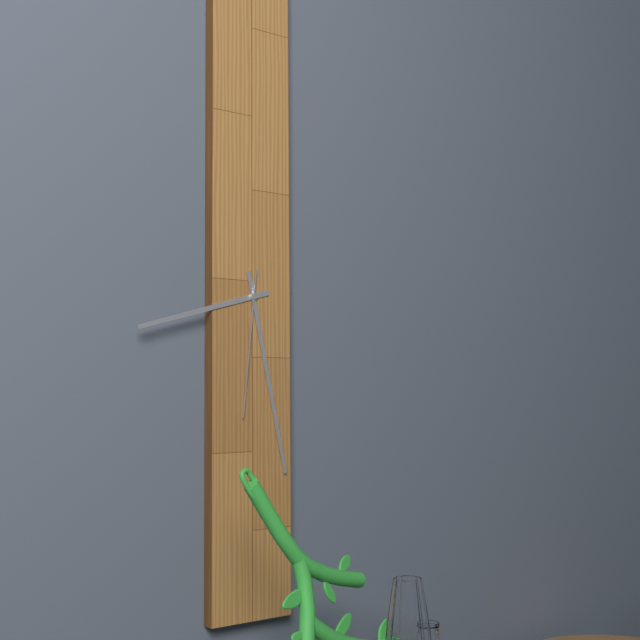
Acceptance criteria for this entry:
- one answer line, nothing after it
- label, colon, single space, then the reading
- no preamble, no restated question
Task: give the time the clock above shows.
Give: 8:28:31
